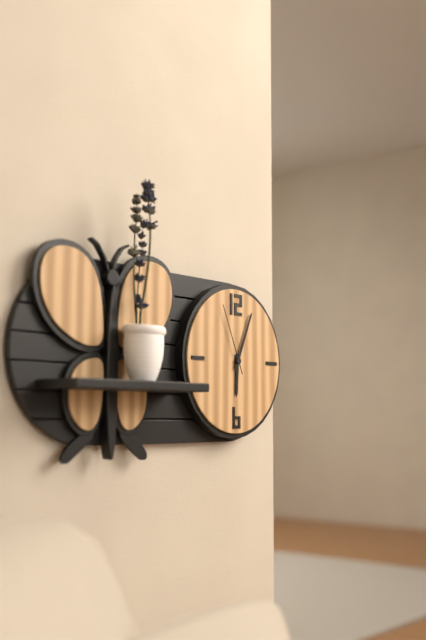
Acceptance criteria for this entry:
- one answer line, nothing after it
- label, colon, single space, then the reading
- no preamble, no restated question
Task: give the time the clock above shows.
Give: 6:04:56
